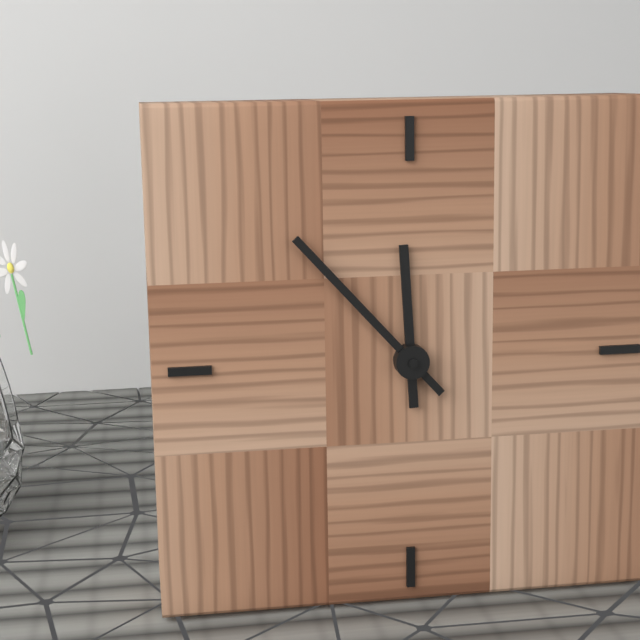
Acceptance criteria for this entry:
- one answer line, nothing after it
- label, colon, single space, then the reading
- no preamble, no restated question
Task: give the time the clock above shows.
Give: 11:53
